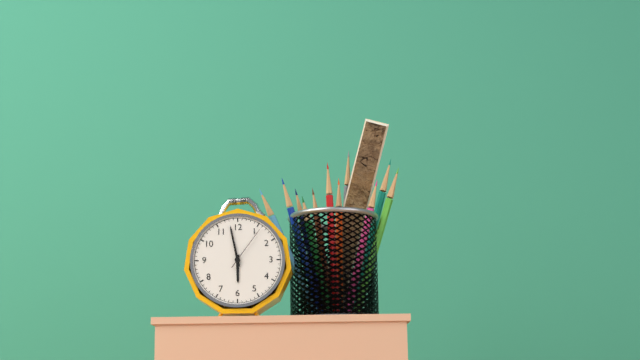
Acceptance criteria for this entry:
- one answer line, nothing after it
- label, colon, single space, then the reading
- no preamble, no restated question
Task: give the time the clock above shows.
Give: 5:58
